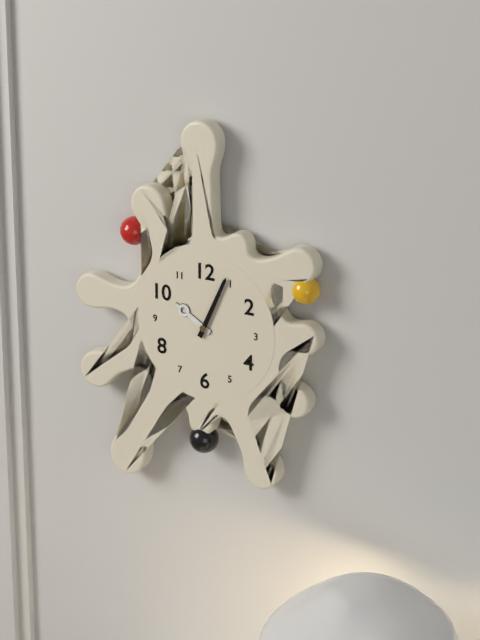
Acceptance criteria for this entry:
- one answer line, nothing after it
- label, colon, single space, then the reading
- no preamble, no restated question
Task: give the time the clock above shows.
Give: 10:04
